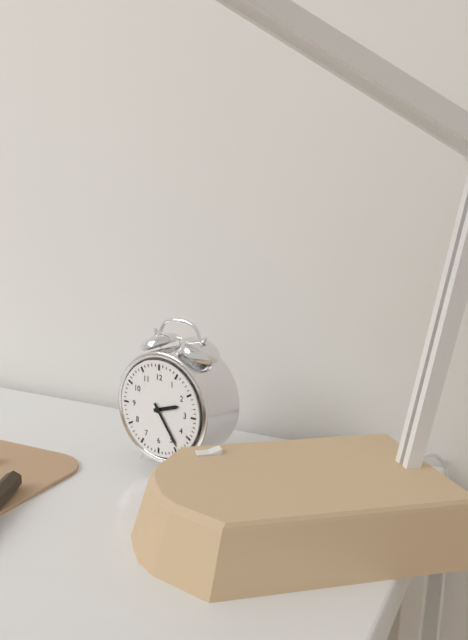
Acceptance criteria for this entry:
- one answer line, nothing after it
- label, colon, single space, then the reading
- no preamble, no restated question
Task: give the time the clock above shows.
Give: 2:24
